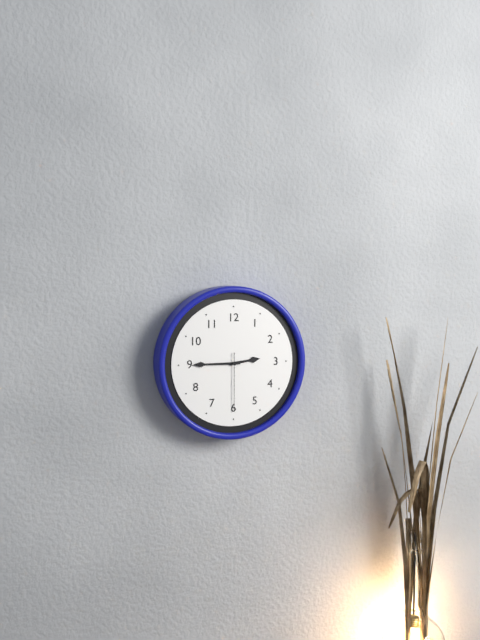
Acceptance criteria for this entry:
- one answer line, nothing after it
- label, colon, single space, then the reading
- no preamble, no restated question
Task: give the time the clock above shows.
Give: 2:45:30
